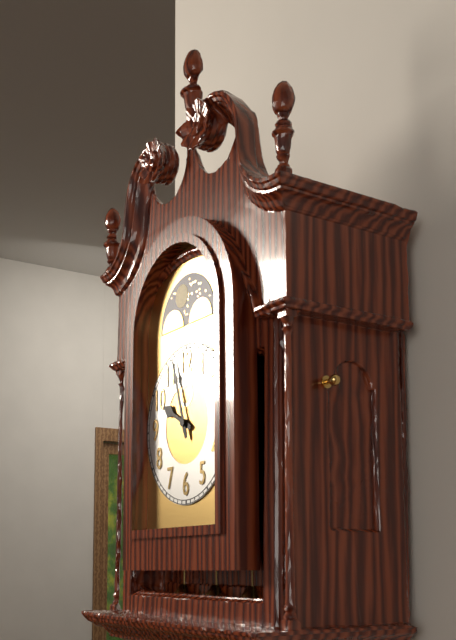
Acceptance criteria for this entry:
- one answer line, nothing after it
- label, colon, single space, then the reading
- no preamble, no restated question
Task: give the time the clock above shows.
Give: 9:57
